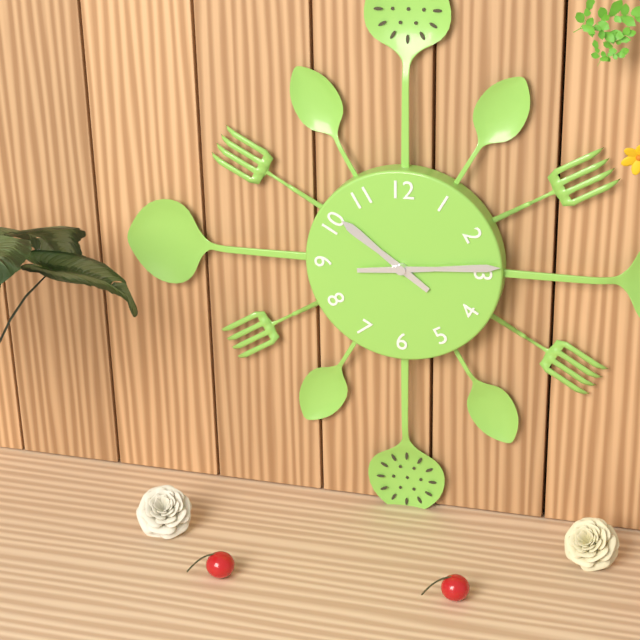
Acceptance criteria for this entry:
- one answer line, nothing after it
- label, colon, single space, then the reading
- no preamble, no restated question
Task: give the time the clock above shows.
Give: 10:14
